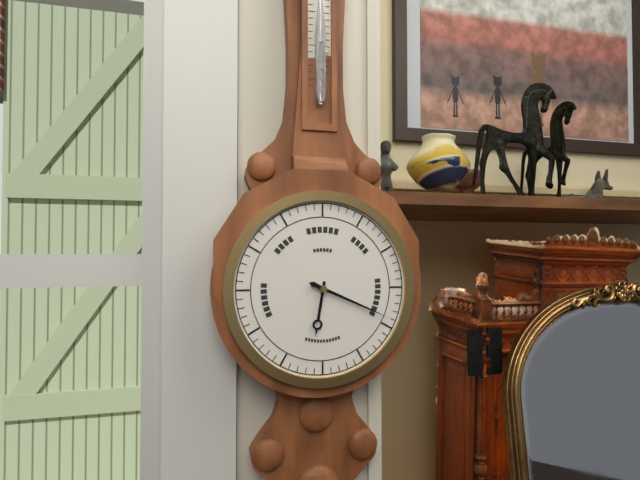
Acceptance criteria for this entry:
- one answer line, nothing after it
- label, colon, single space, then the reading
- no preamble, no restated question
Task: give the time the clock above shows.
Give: 6:19
